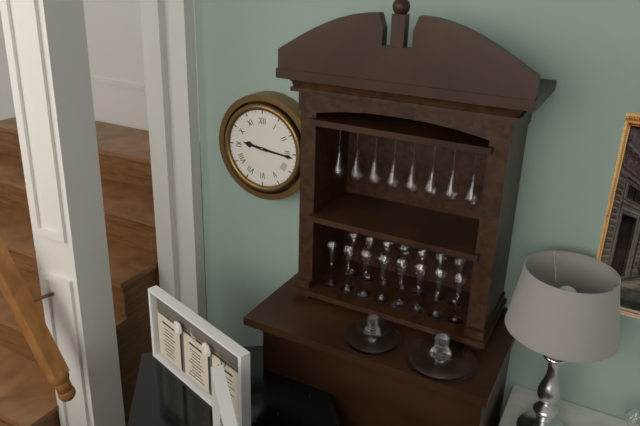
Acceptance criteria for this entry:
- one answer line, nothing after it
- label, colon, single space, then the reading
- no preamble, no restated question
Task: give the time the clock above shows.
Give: 9:16
